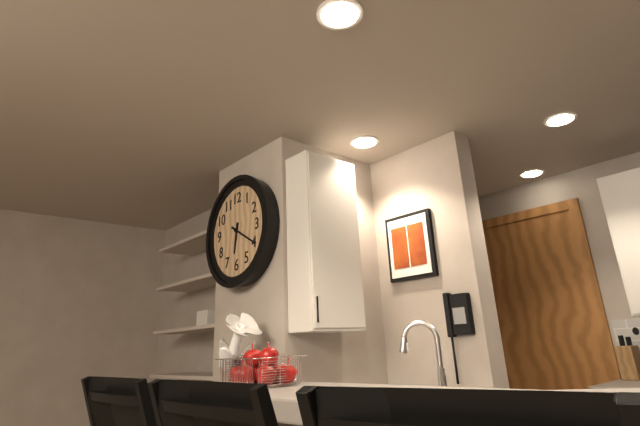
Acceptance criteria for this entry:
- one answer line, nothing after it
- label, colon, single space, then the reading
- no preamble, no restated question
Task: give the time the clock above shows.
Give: 6:20
